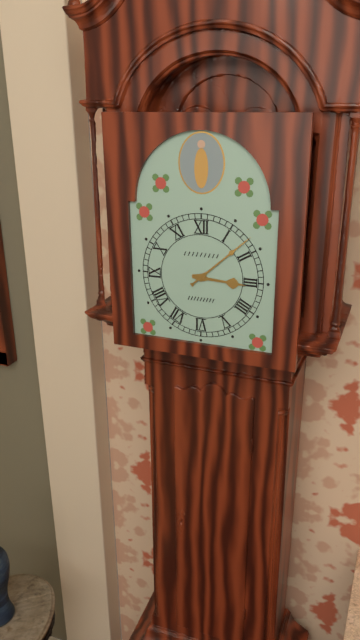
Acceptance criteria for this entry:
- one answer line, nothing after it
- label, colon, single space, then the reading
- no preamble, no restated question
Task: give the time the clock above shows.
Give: 3:08
